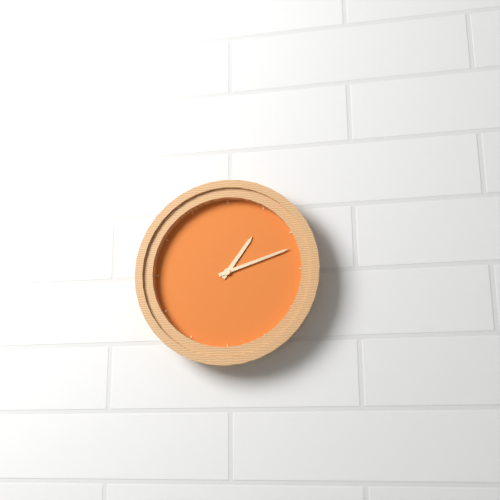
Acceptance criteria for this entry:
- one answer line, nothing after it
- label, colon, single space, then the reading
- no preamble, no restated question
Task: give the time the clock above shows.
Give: 1:12
